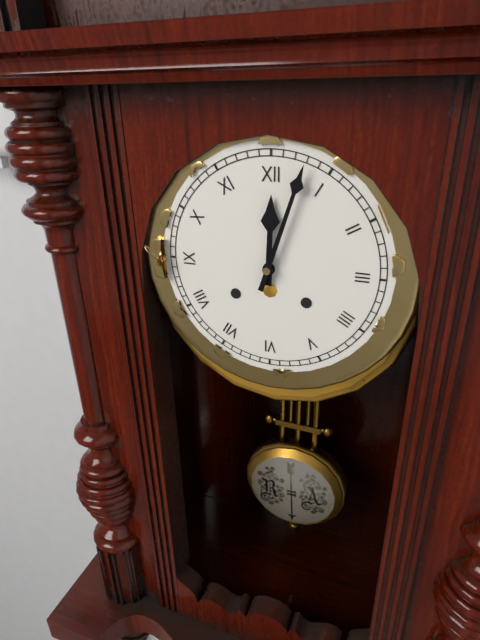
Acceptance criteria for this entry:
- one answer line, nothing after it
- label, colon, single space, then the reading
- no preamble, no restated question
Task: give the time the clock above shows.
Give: 12:03
